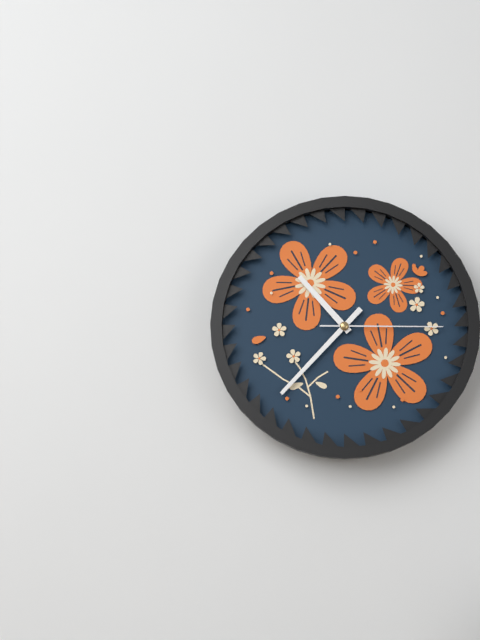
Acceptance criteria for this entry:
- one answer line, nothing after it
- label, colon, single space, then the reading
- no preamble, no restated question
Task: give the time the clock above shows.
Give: 10:37:15
